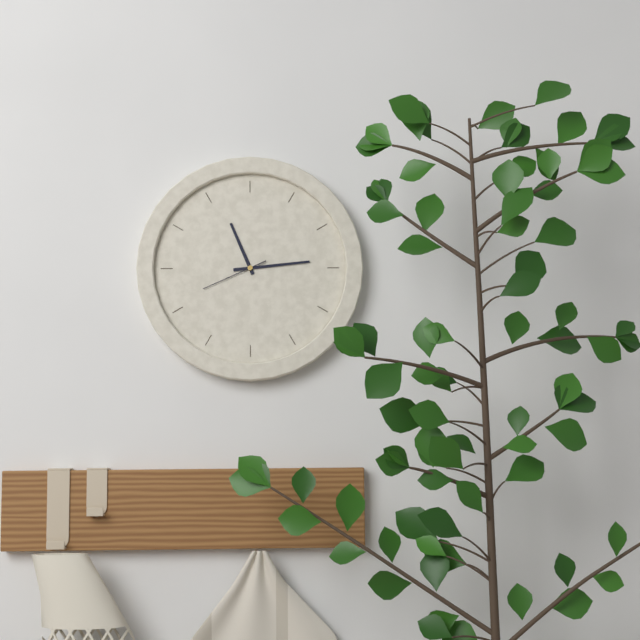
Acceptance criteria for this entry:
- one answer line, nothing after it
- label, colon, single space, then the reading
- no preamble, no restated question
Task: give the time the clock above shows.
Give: 11:14:41
